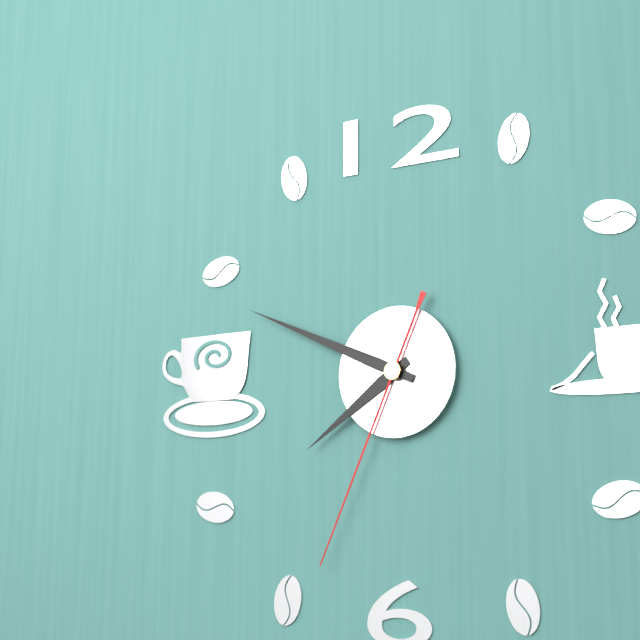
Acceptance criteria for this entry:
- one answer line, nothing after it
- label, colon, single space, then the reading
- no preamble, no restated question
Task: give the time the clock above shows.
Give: 7:49:34
